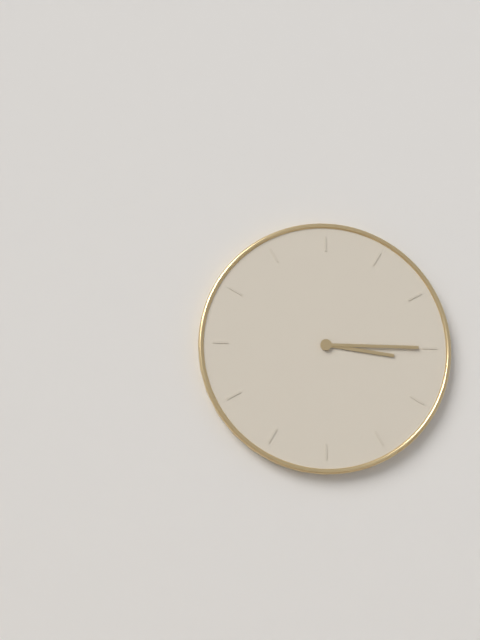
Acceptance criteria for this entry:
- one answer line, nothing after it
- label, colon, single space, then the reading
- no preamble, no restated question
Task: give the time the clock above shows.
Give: 3:15
